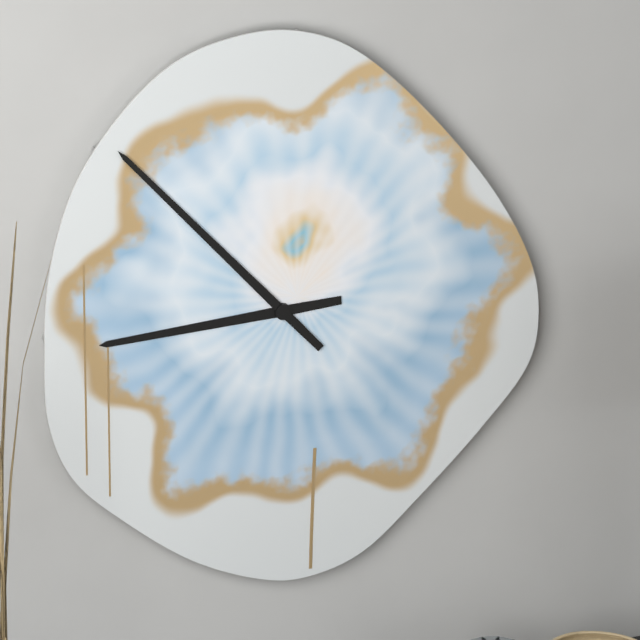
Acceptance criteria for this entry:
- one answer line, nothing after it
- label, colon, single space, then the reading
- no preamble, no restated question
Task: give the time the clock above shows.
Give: 8:53
